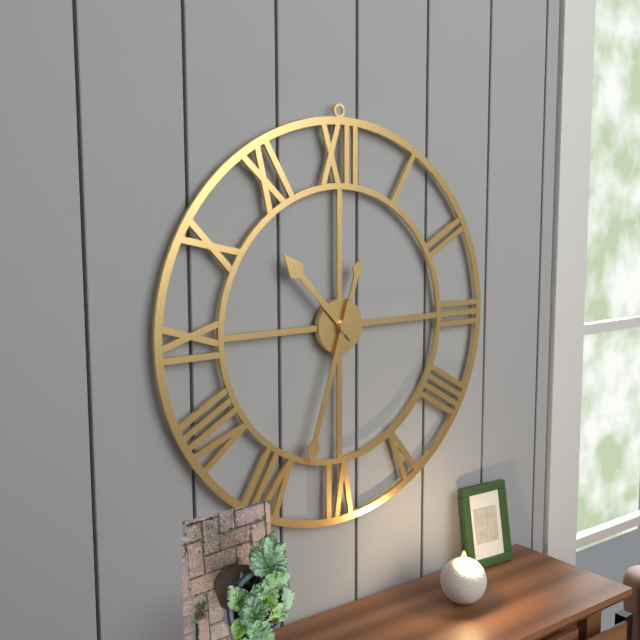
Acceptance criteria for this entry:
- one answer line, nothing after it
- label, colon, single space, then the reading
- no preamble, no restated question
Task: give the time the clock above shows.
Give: 10:33
